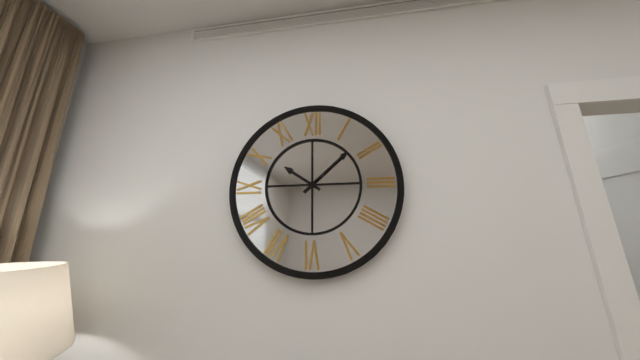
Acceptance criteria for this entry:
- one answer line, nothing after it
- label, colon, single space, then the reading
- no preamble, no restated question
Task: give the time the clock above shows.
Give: 10:08
